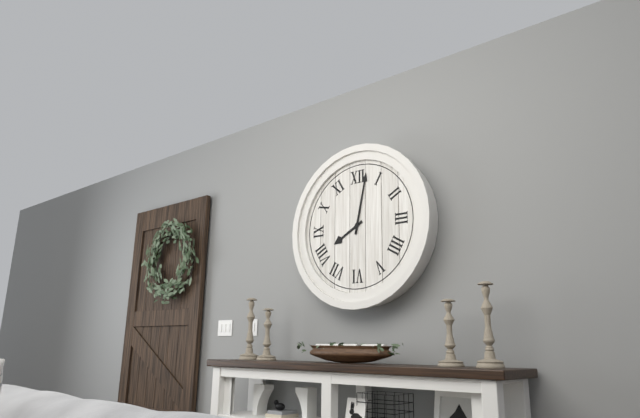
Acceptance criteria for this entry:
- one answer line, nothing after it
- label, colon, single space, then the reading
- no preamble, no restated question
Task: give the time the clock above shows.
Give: 8:02
